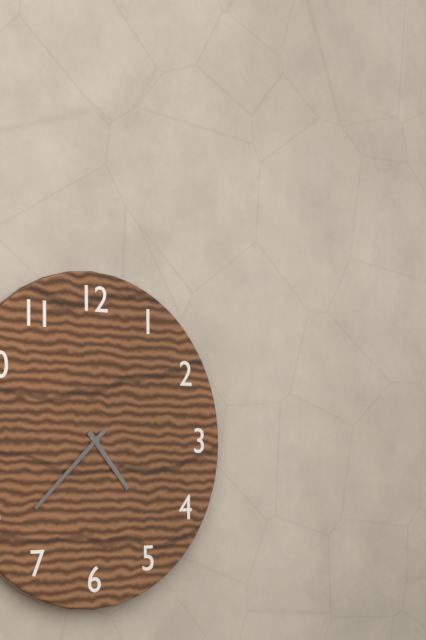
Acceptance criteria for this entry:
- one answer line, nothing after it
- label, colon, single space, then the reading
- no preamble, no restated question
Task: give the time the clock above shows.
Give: 4:38
